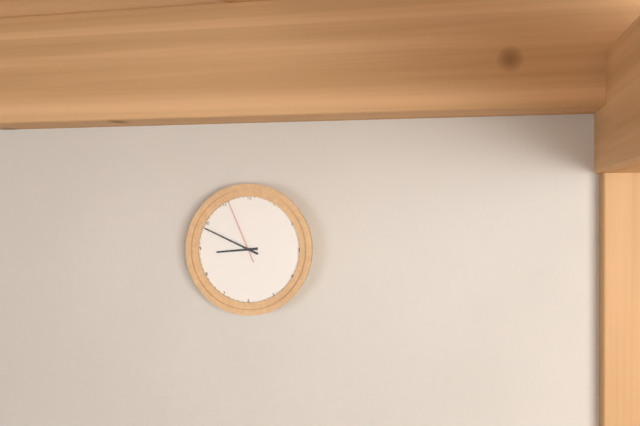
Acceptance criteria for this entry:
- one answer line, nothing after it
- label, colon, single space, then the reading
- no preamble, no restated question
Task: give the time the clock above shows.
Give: 8:49:56
